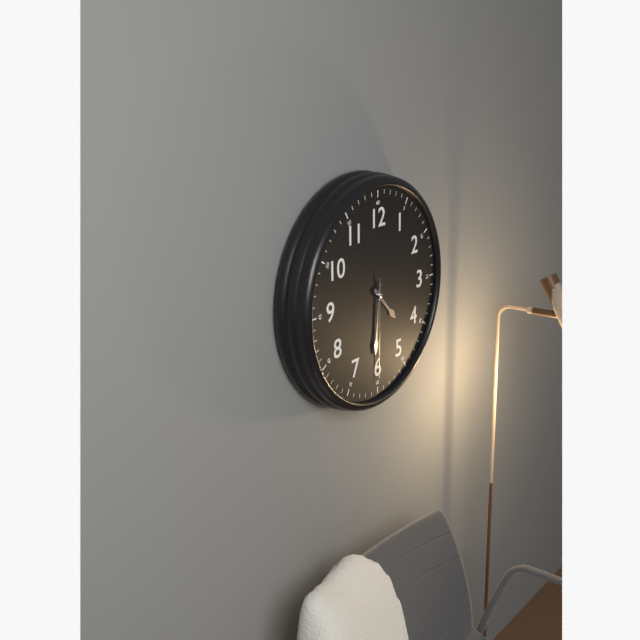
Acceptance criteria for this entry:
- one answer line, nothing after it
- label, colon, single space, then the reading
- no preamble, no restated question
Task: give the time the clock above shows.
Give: 4:31:30
